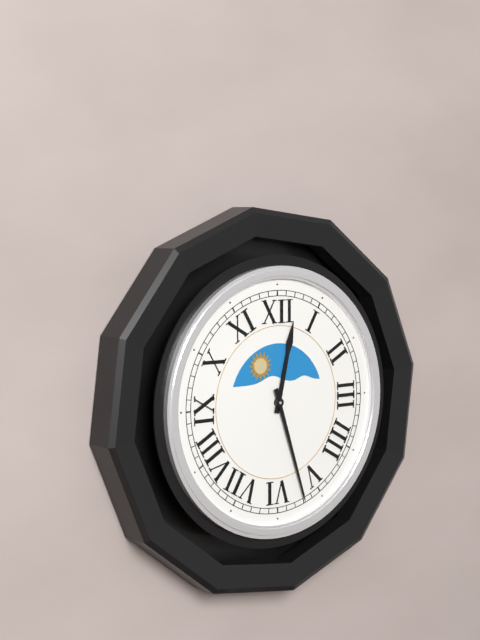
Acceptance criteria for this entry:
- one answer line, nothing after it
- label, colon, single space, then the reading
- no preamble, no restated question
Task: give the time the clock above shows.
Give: 12:27
